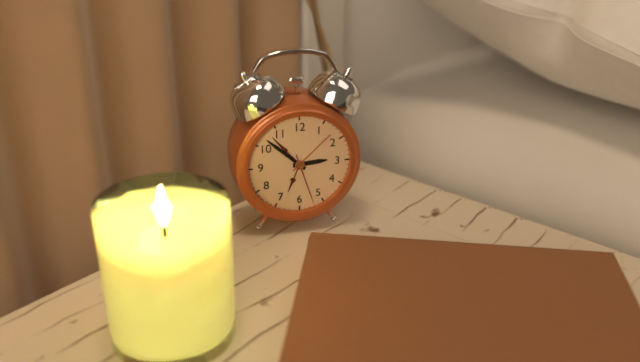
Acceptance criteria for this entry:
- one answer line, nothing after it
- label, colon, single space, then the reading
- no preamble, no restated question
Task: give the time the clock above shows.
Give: 2:52:27
